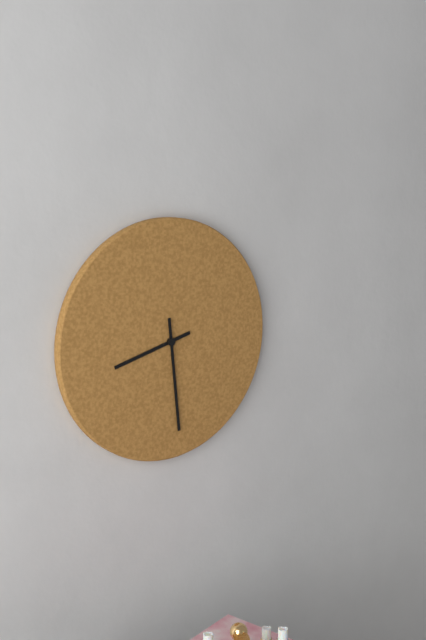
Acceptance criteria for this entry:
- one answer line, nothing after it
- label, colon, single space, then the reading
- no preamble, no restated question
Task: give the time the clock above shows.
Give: 8:29
